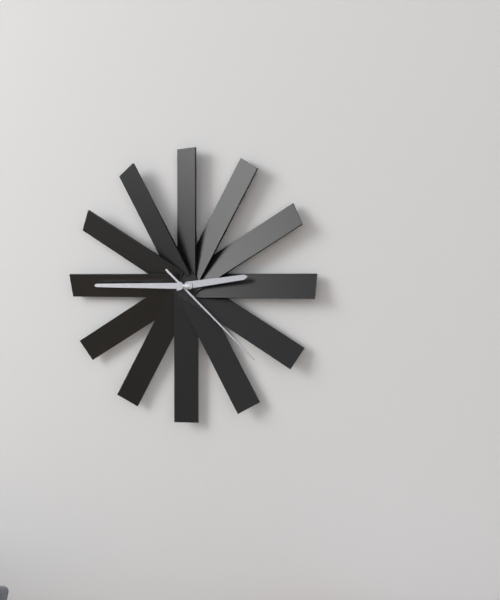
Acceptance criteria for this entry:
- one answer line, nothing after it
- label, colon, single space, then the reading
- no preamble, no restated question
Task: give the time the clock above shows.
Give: 2:45:22
